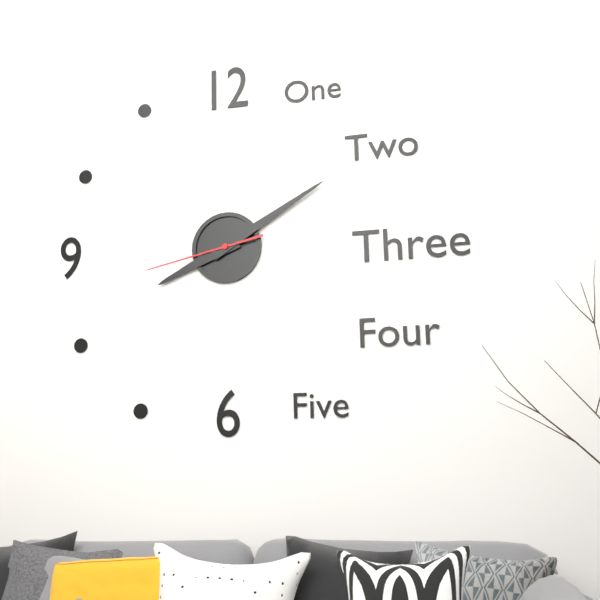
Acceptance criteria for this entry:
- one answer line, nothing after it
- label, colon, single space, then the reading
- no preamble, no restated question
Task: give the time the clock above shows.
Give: 8:10:43
